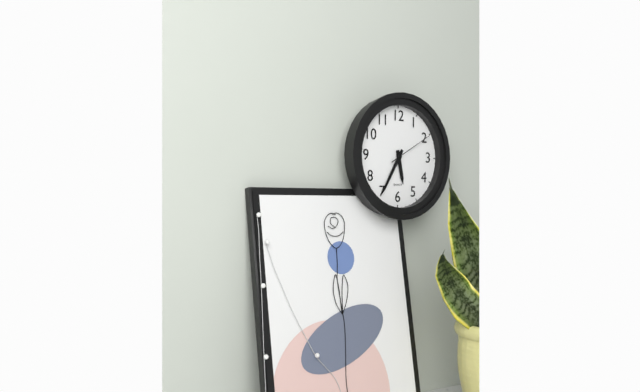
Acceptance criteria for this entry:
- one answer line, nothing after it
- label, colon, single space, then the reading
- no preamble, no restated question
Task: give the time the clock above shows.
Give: 5:35
